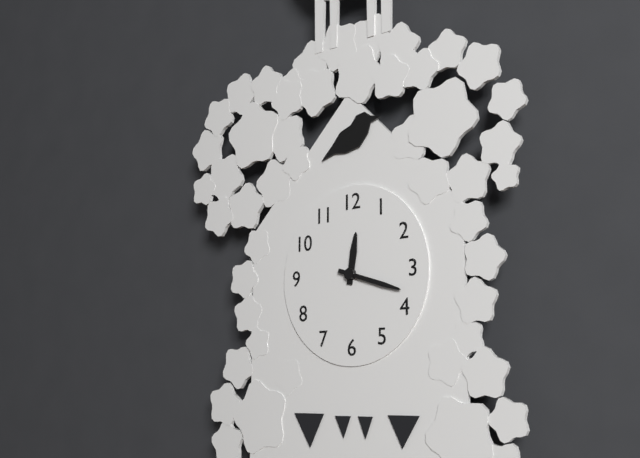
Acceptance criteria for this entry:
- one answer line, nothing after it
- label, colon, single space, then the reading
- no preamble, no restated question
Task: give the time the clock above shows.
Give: 12:18
